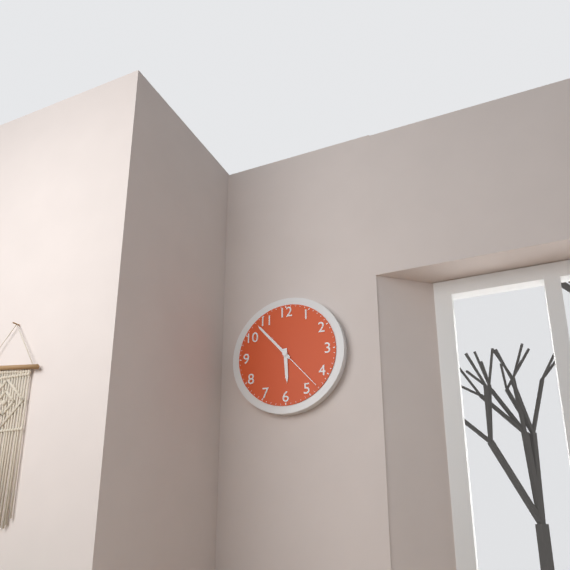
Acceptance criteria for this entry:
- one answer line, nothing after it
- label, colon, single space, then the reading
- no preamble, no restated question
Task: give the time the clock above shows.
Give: 5:53:23
